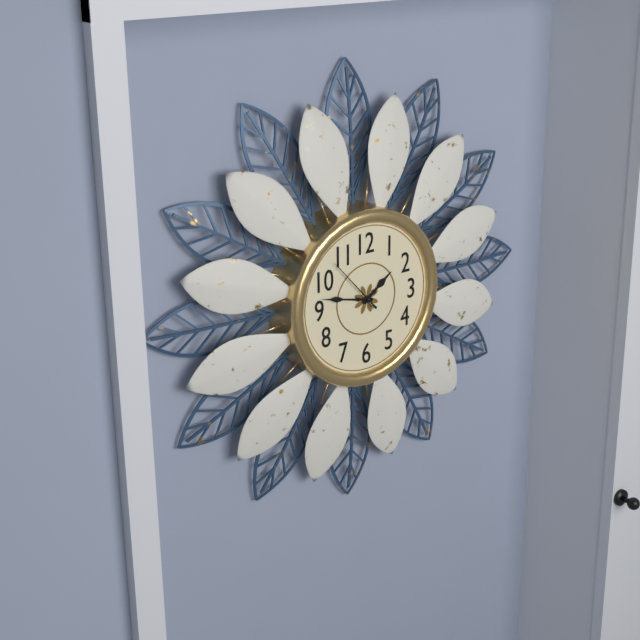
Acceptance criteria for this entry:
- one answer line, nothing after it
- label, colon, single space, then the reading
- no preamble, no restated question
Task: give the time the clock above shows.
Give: 1:47:53
